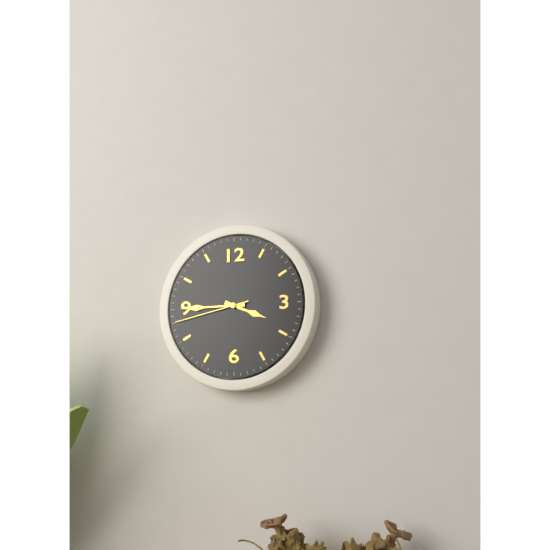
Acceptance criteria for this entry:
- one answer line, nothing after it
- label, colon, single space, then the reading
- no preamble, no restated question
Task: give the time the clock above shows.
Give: 3:45:43
